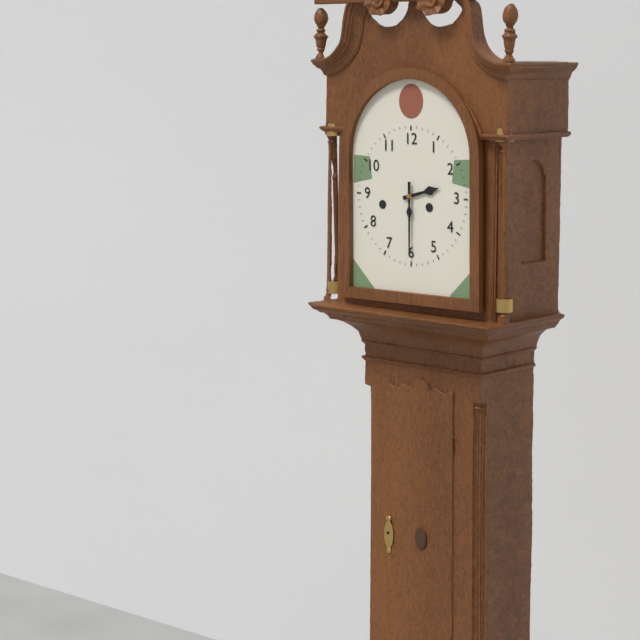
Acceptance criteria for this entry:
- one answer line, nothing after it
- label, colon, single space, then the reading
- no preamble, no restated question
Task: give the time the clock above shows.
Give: 2:30
